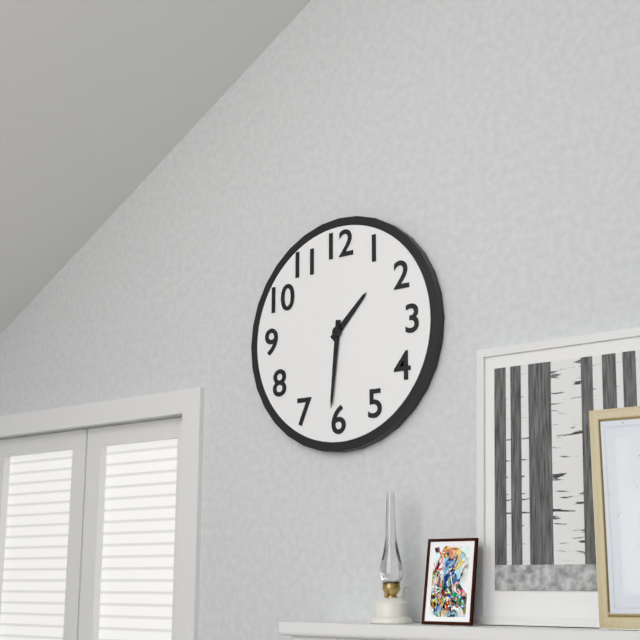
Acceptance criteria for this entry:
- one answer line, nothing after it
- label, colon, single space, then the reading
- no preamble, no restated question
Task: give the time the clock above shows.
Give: 1:31
